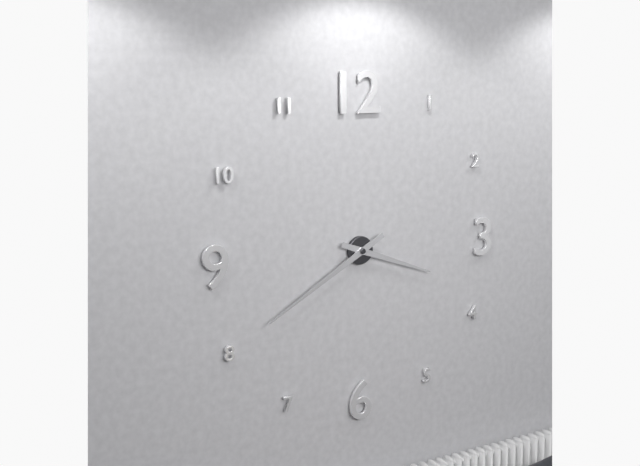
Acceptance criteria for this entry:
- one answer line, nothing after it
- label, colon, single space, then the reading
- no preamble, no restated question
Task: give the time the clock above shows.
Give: 3:40
